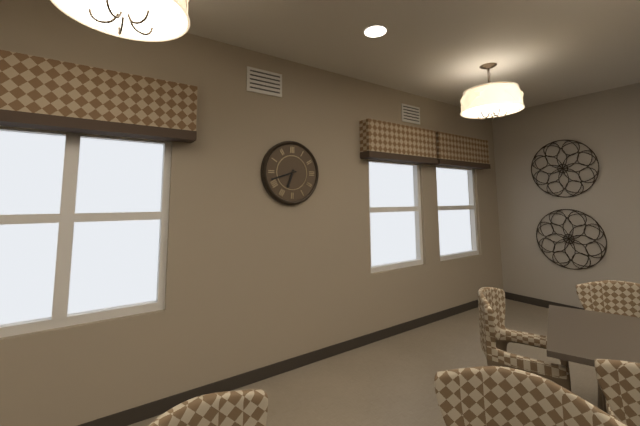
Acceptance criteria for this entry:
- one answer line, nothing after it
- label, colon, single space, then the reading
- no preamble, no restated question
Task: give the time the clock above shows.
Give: 6:42
